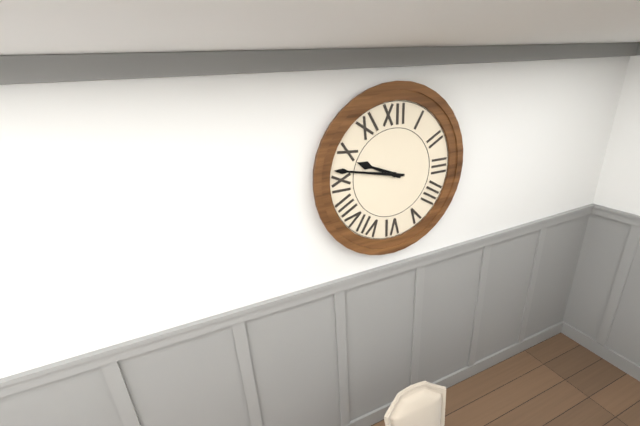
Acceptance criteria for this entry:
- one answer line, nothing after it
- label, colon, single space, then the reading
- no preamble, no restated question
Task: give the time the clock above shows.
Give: 9:47
